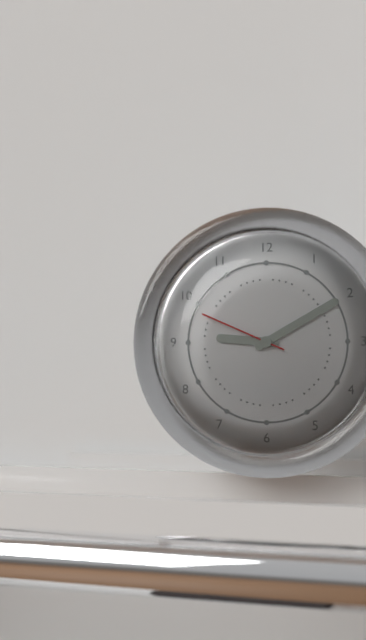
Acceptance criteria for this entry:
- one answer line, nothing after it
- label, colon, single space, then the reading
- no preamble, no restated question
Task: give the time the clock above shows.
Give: 9:10:49
